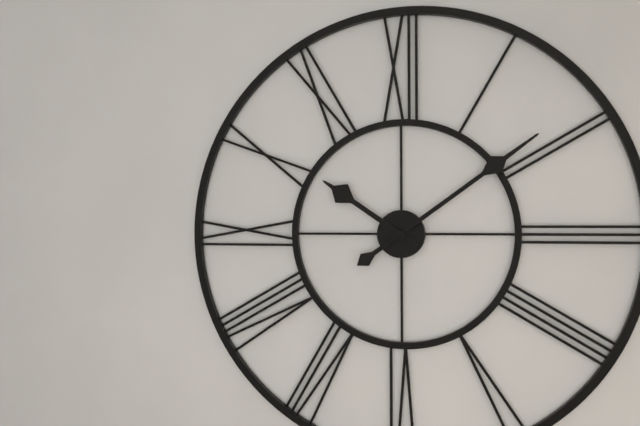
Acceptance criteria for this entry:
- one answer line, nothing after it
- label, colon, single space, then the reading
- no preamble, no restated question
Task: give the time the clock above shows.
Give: 10:09
